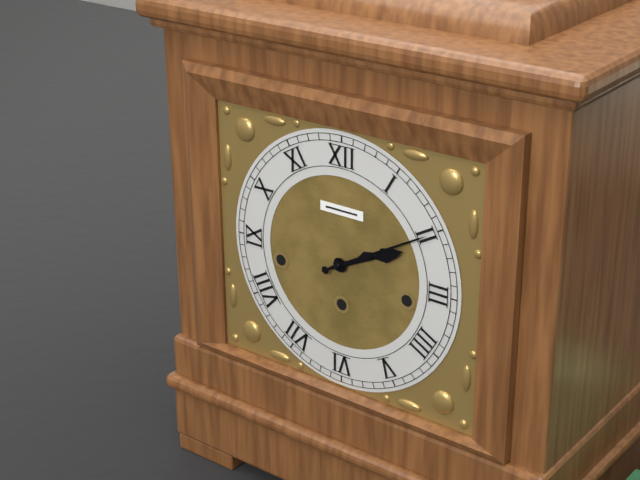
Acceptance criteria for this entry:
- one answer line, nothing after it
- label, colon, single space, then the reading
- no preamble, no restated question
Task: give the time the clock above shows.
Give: 2:10
